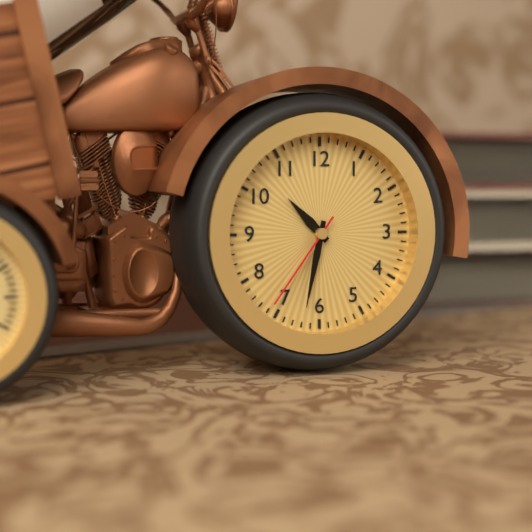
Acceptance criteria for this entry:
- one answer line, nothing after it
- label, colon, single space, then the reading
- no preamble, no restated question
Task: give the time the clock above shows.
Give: 10:32:36
